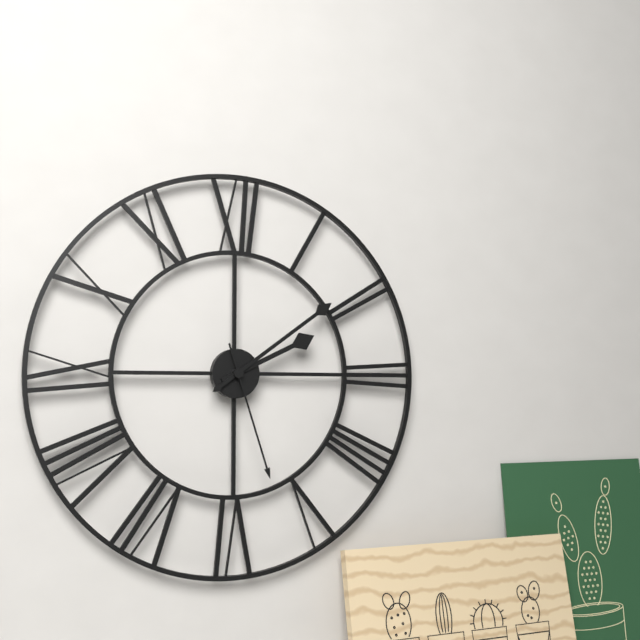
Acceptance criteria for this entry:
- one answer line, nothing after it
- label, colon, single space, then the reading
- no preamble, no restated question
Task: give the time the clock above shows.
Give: 2:09:27
